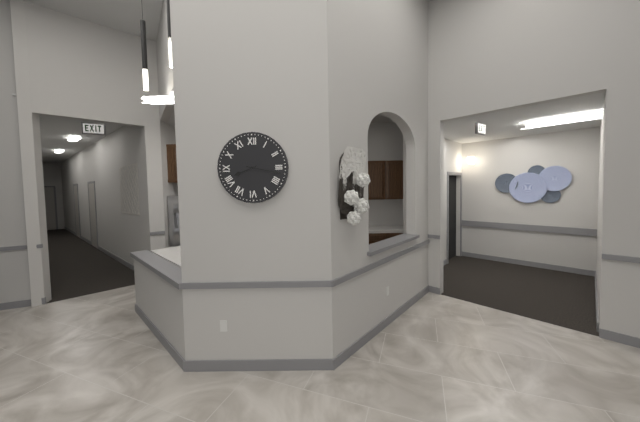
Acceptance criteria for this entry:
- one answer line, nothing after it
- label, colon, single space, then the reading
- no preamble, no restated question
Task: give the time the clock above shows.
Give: 8:17
